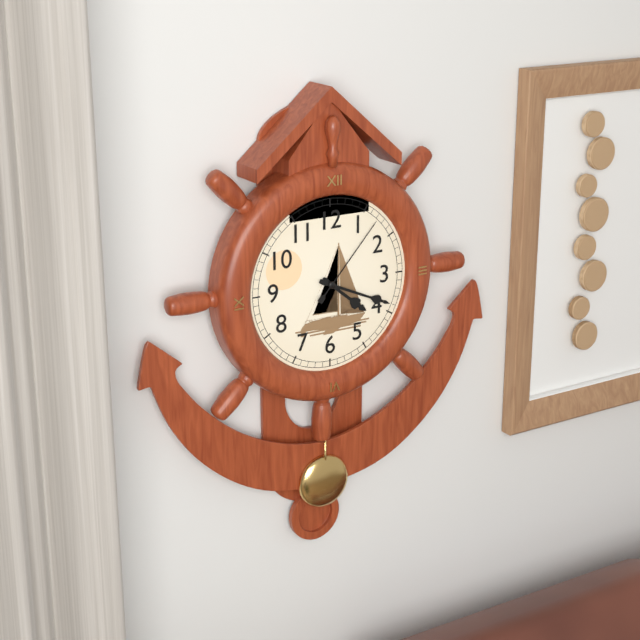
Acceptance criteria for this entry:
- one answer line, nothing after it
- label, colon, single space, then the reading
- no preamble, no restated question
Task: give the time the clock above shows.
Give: 4:19:07
